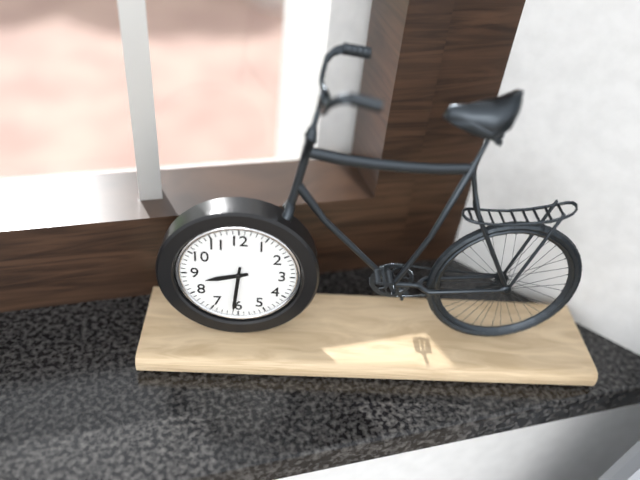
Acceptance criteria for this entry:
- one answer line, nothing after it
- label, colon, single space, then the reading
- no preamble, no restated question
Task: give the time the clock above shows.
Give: 8:31
